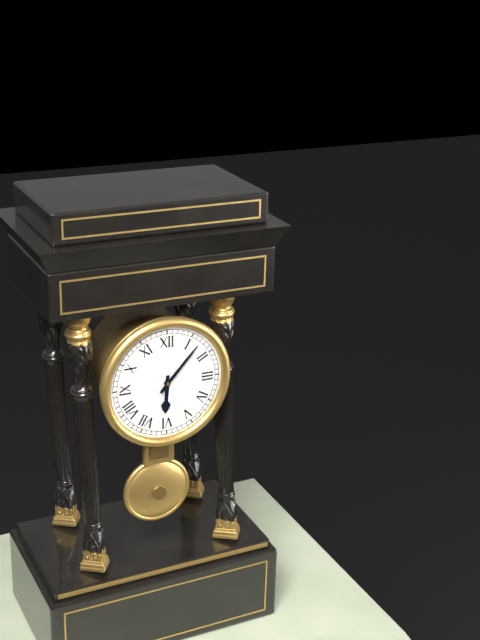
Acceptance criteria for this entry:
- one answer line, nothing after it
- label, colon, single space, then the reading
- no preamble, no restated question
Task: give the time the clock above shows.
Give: 6:07
